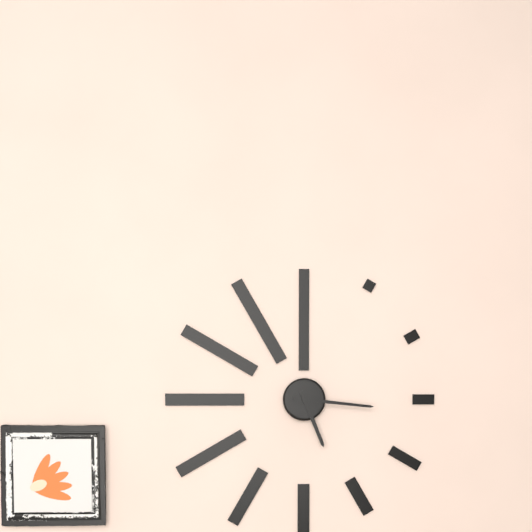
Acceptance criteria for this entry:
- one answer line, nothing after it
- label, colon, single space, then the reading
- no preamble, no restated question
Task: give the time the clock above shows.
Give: 5:16
